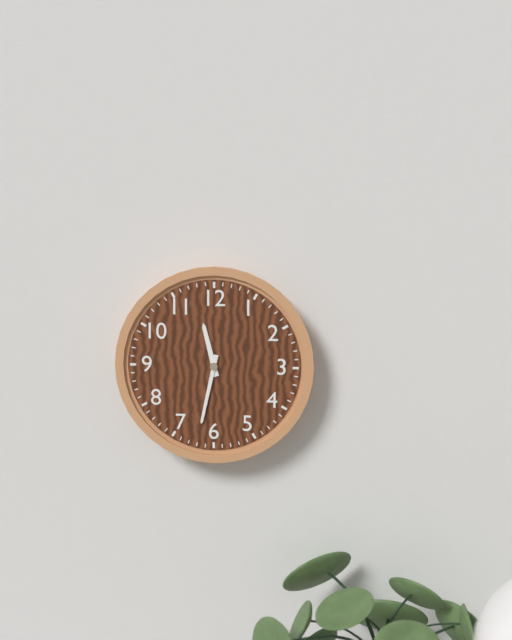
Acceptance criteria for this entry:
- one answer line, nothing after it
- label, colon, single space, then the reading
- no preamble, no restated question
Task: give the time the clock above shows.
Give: 11:32
